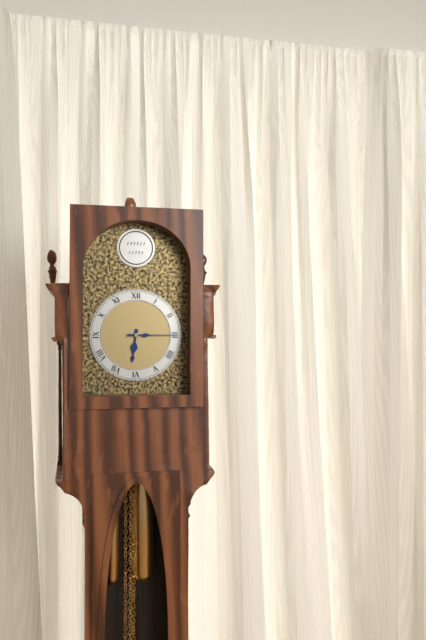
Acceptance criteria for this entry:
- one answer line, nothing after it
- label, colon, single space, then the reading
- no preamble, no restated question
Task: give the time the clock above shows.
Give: 6:15
